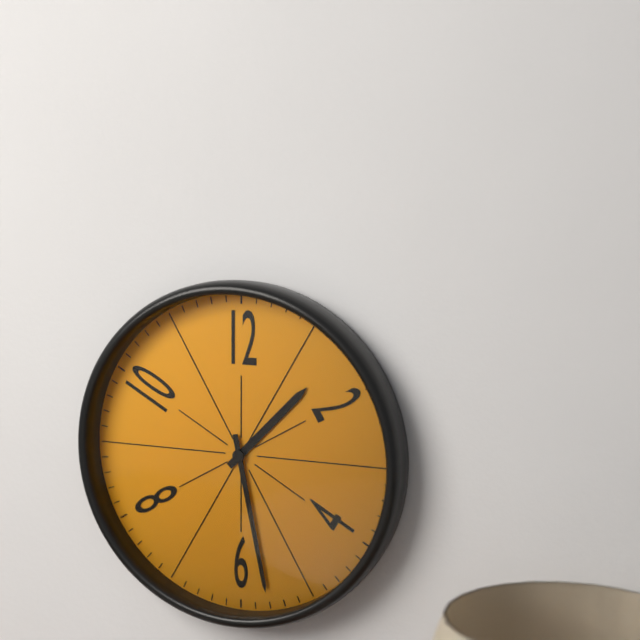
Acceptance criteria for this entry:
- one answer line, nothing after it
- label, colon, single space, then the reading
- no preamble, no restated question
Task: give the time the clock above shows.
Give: 1:28
